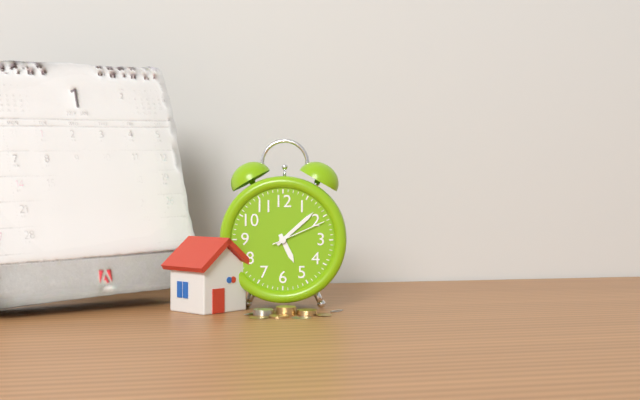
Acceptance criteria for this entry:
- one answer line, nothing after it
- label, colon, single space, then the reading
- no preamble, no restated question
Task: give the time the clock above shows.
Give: 5:08:11
